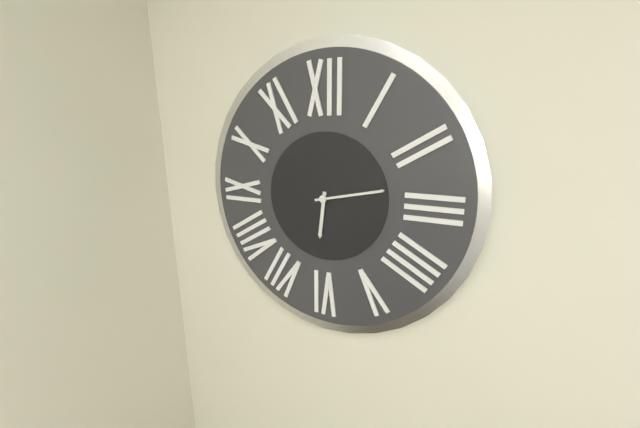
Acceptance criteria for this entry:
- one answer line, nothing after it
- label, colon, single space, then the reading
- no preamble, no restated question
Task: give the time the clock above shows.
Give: 6:13
